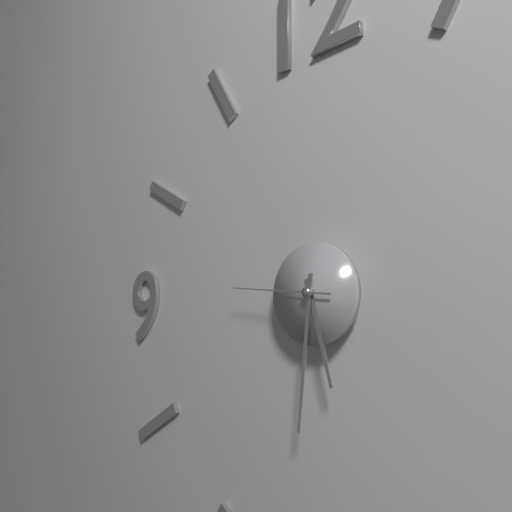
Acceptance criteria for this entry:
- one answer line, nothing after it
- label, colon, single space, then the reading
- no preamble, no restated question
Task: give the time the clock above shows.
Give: 5:31:46
